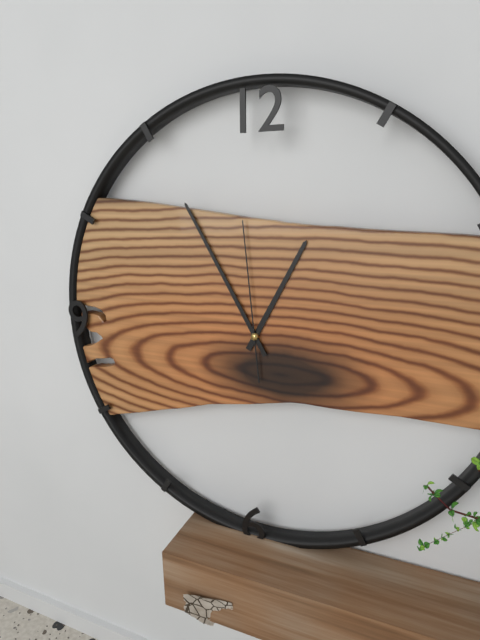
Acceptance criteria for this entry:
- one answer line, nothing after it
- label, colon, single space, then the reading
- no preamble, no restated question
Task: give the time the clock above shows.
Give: 12:55:59
